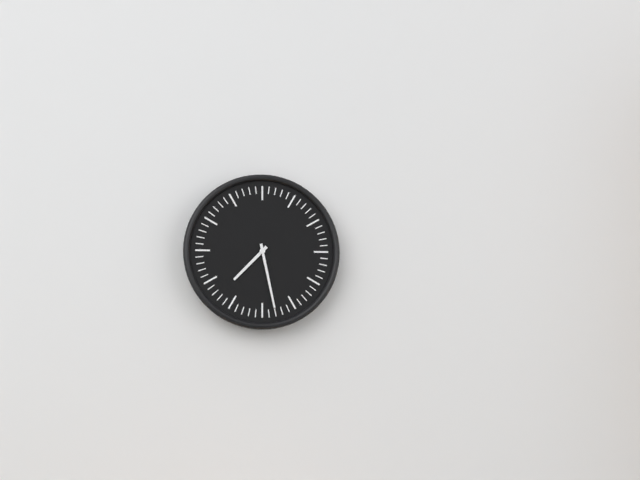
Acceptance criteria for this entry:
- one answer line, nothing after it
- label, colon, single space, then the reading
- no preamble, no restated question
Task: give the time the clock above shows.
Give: 7:28
